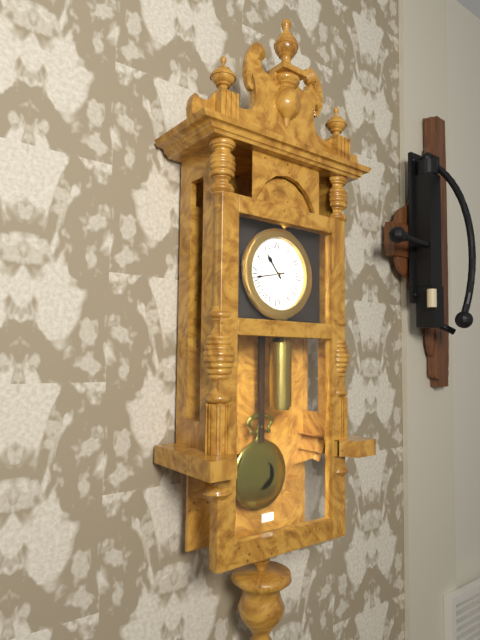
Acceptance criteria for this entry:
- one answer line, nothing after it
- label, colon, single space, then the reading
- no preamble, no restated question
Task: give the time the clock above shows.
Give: 10:43
